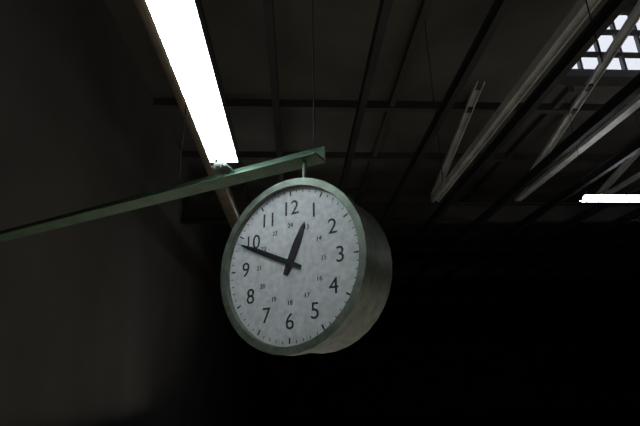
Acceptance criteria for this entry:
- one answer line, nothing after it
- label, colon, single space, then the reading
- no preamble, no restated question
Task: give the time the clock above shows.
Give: 12:49
